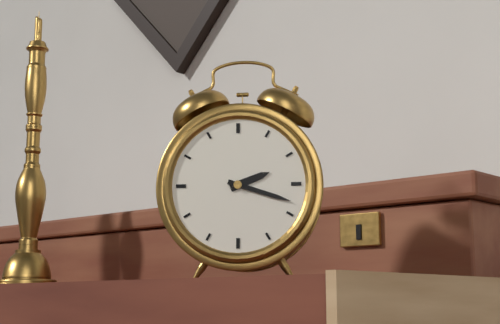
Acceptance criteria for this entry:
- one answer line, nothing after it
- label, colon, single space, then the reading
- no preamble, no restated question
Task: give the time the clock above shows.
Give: 2:18
